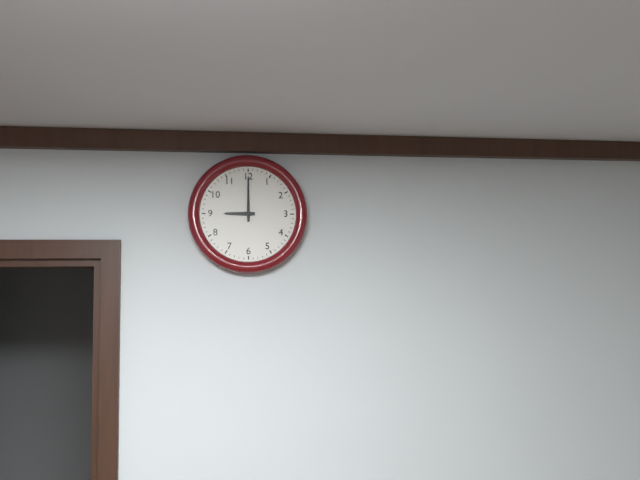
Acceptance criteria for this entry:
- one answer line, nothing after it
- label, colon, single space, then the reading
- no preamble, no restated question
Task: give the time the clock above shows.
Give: 9:00
